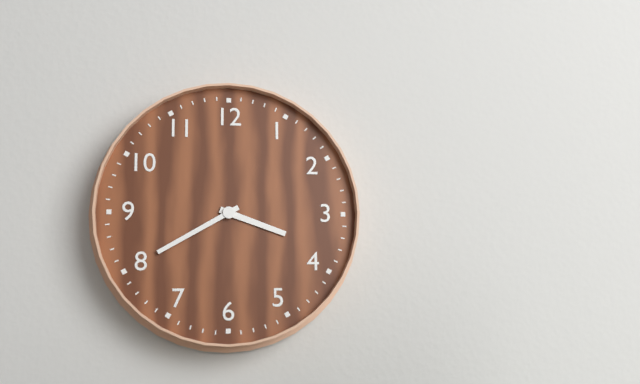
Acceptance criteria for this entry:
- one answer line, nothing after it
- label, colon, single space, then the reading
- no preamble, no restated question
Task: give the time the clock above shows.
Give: 3:40
